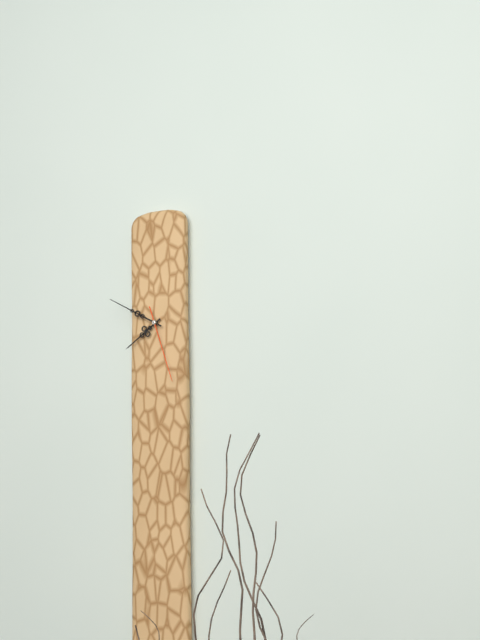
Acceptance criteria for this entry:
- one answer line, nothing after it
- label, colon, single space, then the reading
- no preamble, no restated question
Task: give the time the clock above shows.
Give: 7:50:27
